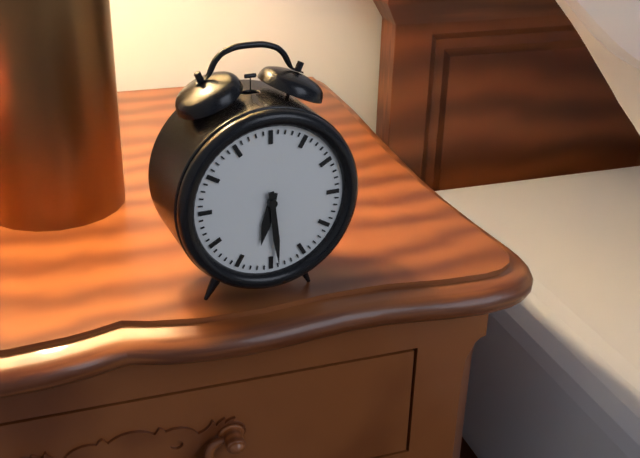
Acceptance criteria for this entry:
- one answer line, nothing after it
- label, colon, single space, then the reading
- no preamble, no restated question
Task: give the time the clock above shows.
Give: 6:29
